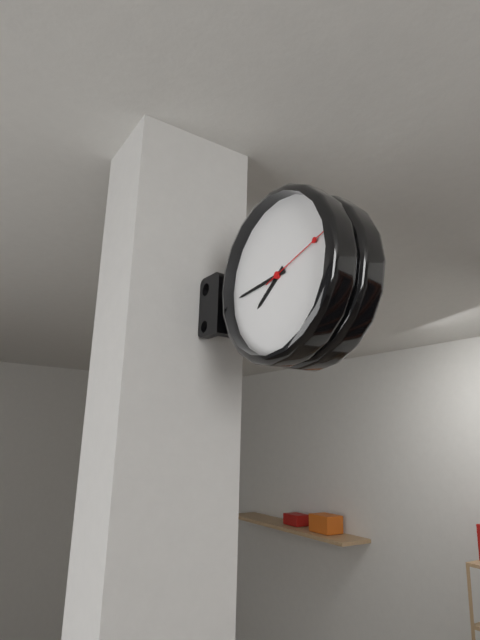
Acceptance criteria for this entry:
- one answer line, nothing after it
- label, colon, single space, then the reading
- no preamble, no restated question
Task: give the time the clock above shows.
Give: 7:44:12
